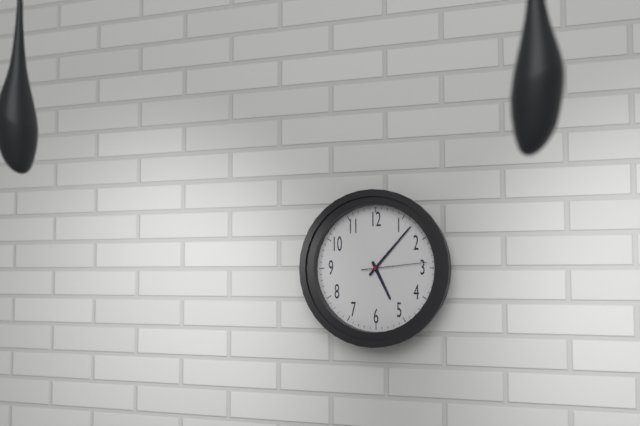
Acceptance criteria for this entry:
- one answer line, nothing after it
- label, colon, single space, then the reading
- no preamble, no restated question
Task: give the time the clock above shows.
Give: 5:07:14
